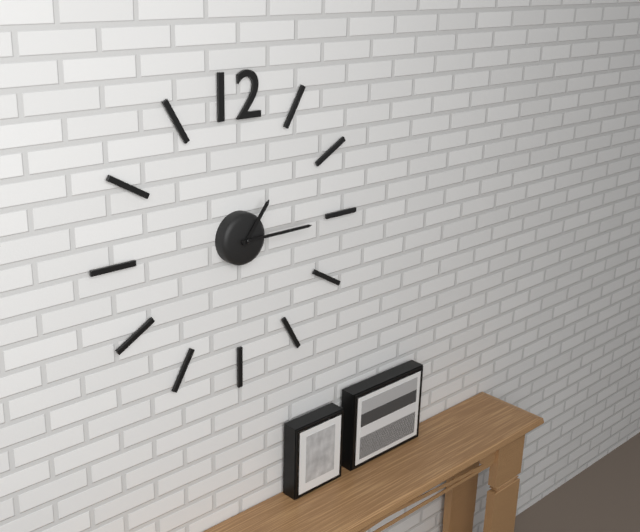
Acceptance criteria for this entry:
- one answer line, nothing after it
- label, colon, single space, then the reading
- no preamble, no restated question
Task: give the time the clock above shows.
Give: 1:15
